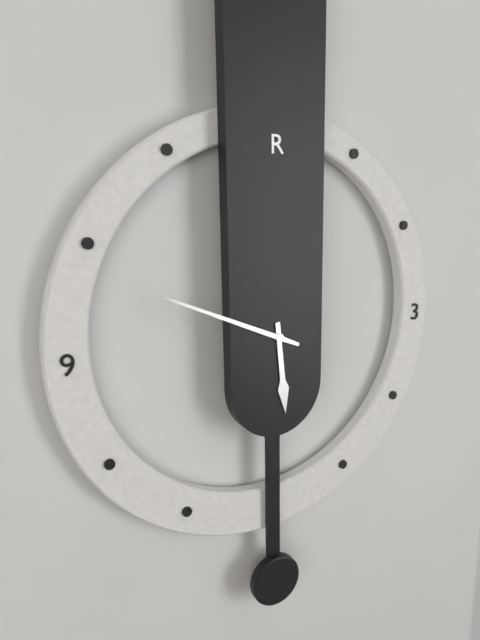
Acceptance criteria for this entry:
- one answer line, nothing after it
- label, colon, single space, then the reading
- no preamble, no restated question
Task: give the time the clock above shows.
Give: 5:49
